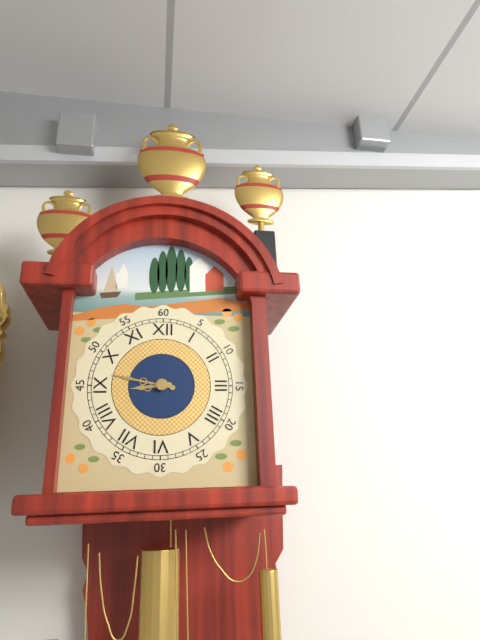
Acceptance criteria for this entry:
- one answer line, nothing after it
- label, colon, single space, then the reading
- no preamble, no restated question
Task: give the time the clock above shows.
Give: 8:47
